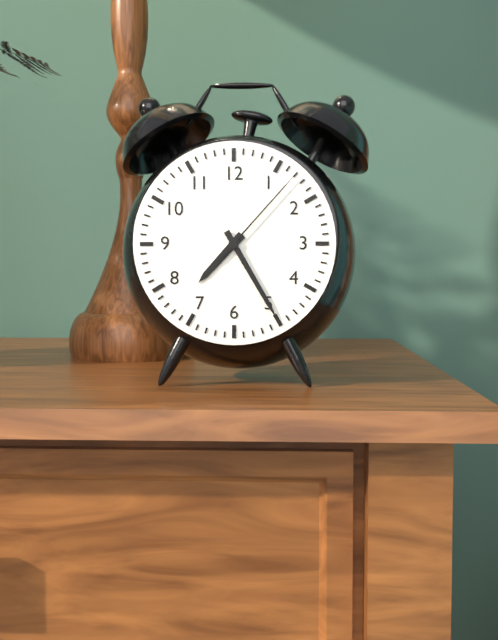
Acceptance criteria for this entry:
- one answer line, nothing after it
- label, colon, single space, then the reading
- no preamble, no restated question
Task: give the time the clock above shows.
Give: 7:25:07
